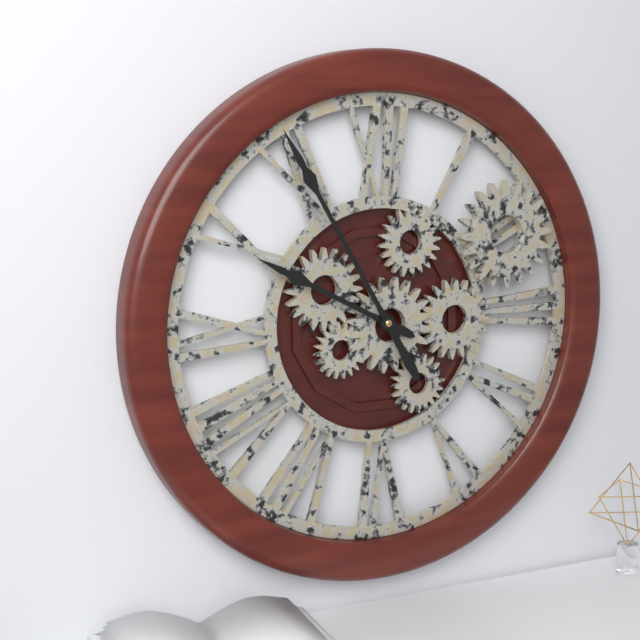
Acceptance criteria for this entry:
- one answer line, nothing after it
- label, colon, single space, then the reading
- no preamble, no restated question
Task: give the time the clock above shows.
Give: 9:55
